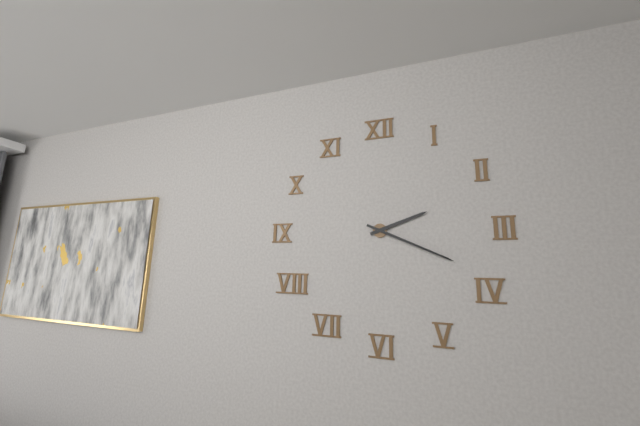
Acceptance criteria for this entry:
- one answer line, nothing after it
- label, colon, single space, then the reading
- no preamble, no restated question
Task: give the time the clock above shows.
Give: 2:19
